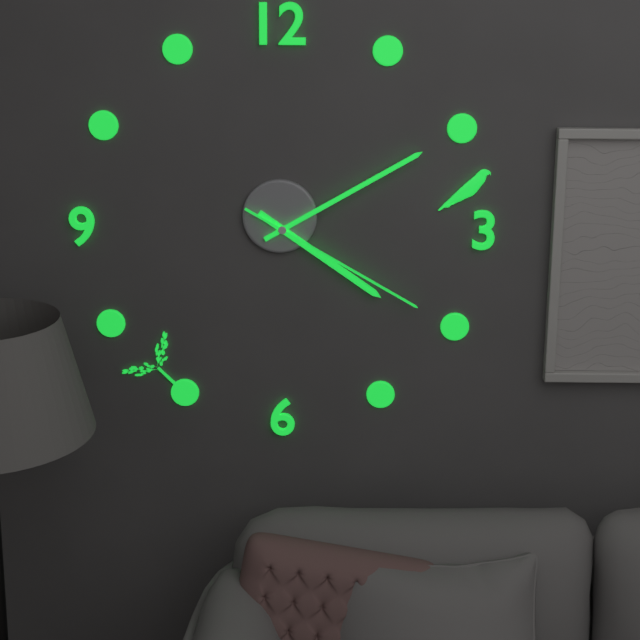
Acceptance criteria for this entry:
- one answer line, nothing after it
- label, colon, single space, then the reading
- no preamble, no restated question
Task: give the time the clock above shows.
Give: 4:10:20
